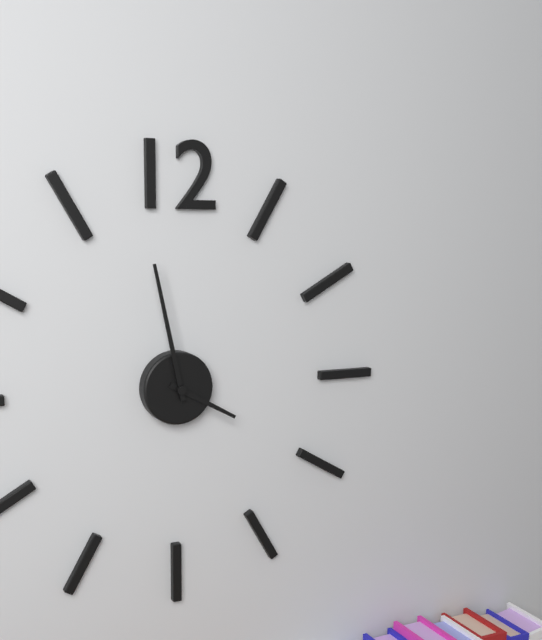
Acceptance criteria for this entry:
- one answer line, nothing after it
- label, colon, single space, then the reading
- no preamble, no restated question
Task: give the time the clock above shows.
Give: 3:58
